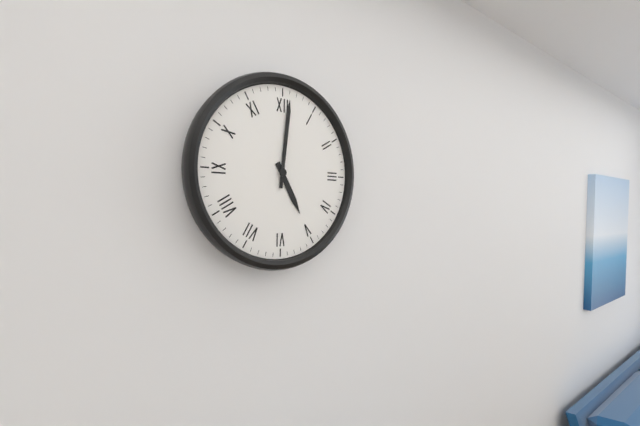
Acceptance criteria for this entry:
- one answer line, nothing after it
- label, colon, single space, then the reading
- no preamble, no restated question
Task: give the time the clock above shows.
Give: 5:01
